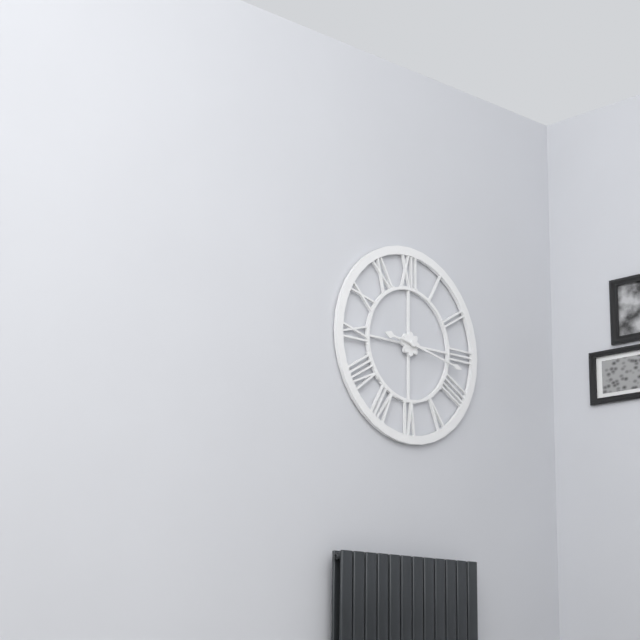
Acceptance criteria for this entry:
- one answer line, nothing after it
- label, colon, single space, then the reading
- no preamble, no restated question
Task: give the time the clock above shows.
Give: 9:17
